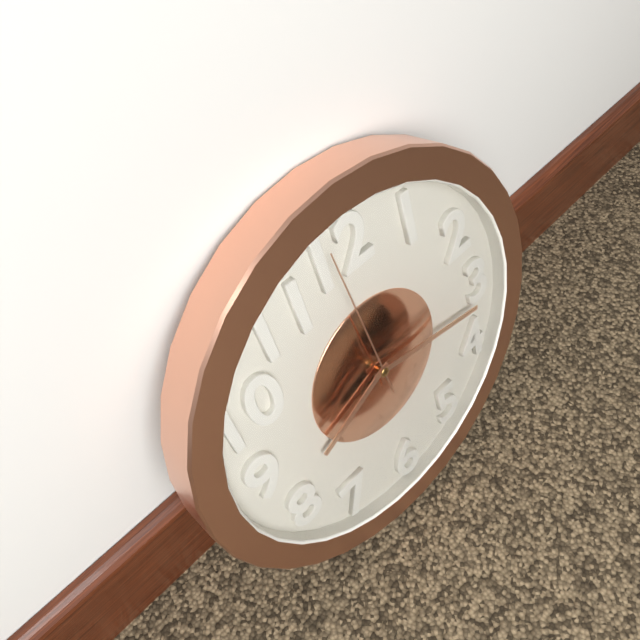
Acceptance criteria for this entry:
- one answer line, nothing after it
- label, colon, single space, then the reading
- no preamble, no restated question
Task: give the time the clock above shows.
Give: 8:17:59
